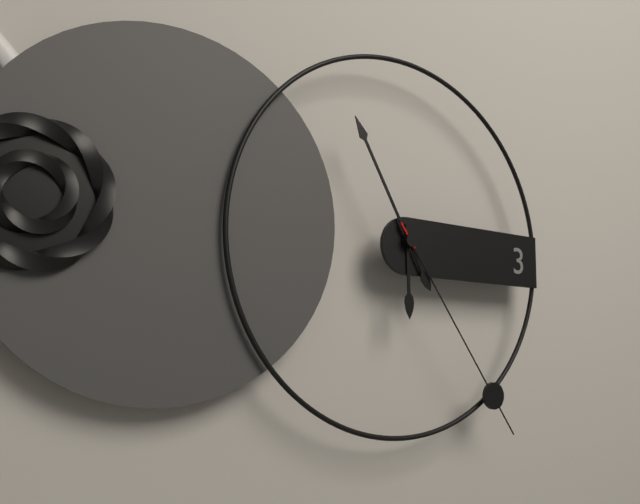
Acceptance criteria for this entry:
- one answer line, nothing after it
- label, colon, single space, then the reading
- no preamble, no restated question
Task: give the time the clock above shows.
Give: 5:55:24
